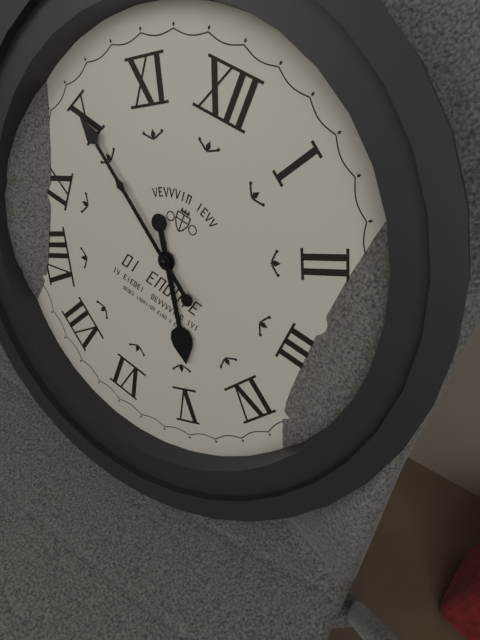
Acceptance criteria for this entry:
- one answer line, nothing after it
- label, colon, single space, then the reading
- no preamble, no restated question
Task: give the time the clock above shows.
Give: 4:50
